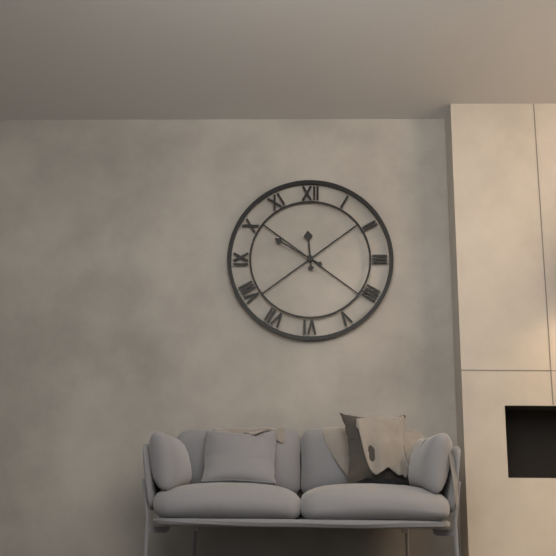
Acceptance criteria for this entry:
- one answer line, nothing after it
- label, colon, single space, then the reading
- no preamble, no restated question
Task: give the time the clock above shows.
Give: 11:50
